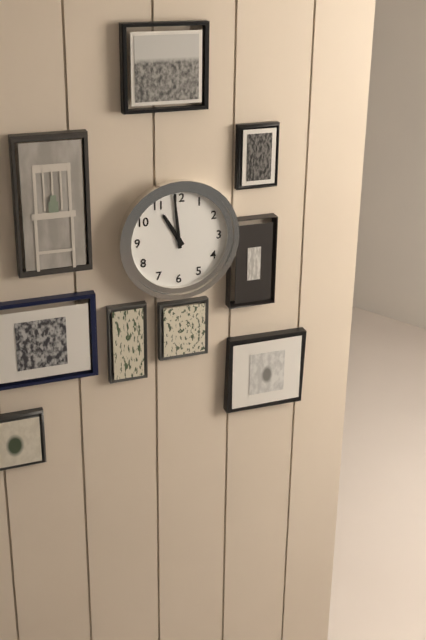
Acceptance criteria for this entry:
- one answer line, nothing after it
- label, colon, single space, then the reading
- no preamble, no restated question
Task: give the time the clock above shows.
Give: 10:59
